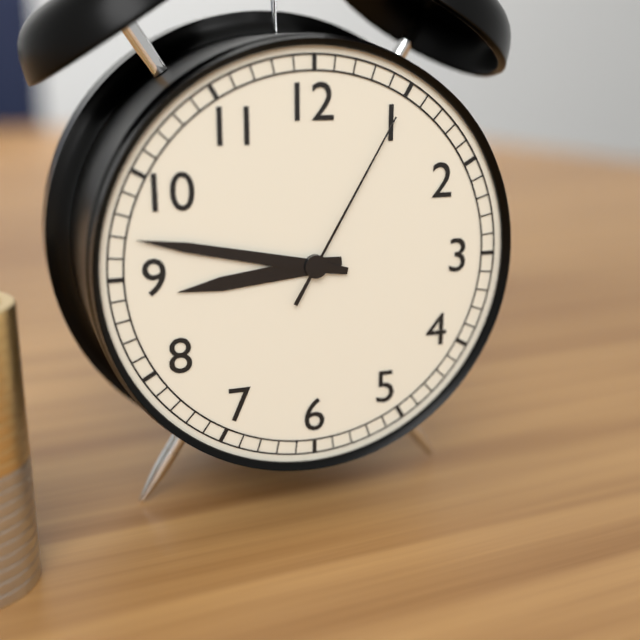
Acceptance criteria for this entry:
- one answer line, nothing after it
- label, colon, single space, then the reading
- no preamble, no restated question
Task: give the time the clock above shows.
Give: 8:47:05
